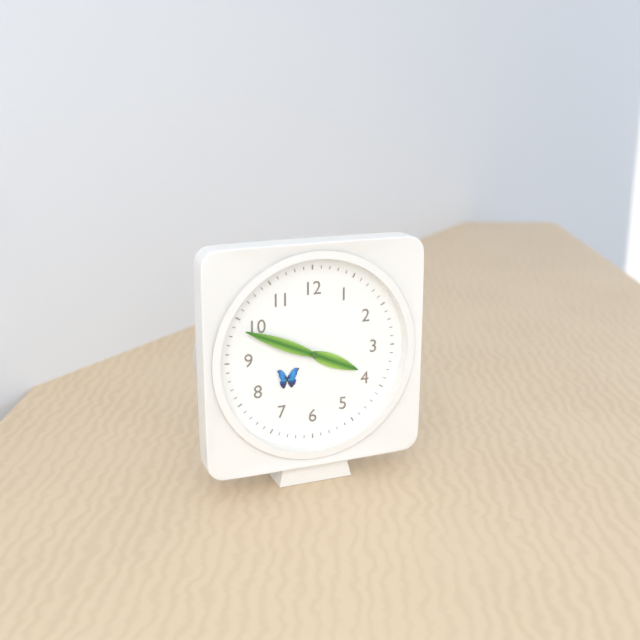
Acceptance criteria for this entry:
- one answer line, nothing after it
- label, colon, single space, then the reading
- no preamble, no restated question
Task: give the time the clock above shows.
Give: 3:49
